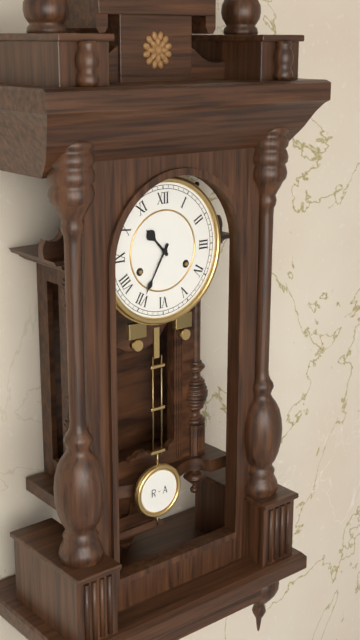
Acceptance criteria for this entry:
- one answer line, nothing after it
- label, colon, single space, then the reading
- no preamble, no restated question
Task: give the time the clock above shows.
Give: 10:35
